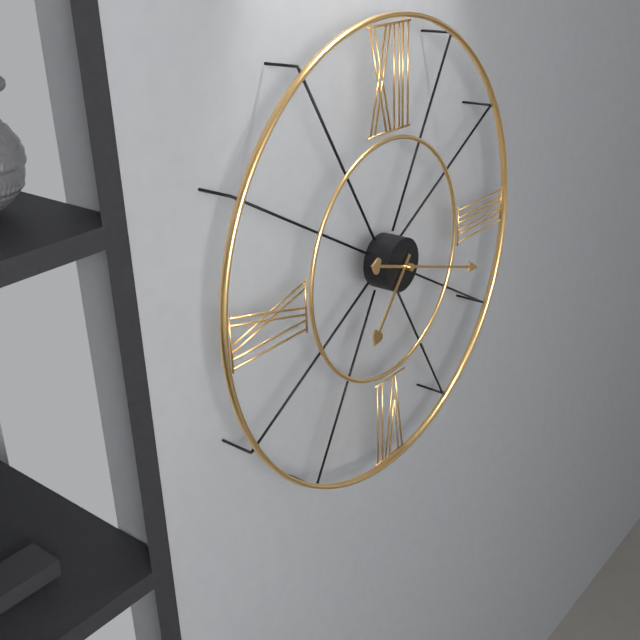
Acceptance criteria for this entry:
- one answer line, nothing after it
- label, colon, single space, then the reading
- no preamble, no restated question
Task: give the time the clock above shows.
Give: 7:18
